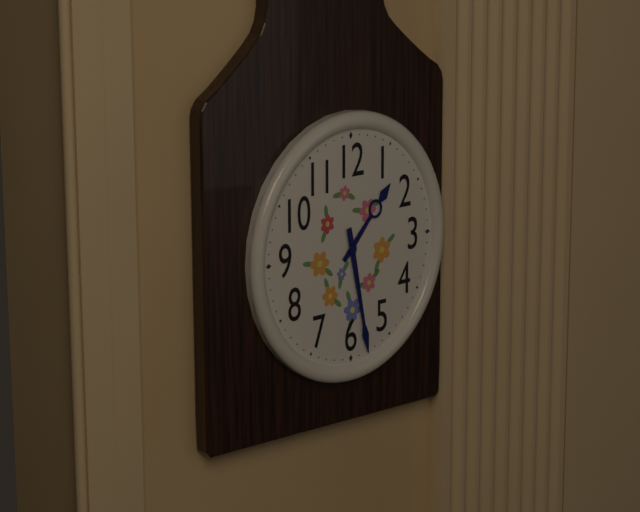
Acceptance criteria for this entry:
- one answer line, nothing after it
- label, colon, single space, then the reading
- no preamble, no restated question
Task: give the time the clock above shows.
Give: 1:28
